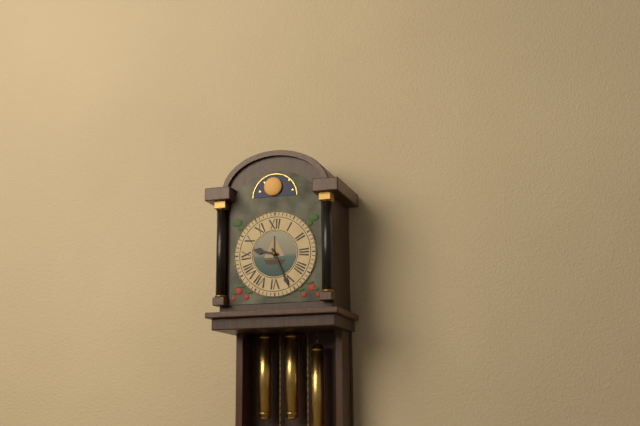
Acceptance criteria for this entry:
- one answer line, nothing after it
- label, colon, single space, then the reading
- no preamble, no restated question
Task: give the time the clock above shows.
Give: 9:26
